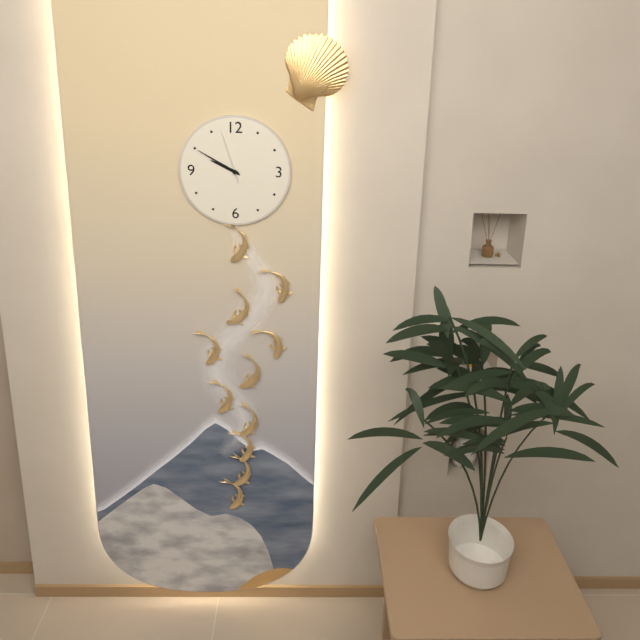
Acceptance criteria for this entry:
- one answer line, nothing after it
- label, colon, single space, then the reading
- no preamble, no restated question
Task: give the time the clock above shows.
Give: 9:50:57
